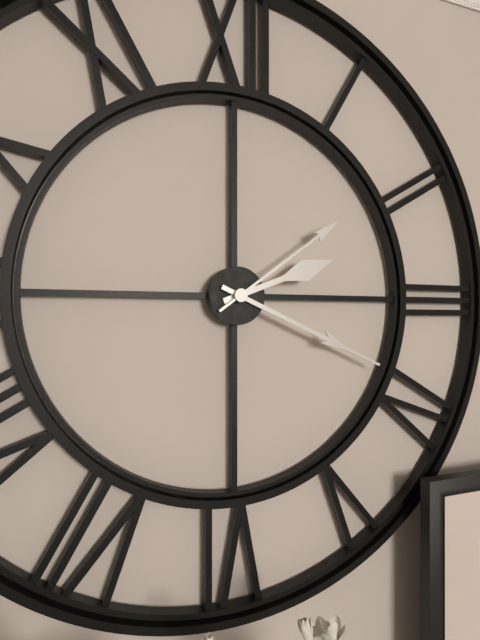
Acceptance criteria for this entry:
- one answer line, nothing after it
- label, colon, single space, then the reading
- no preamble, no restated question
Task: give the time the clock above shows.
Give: 2:19:09
